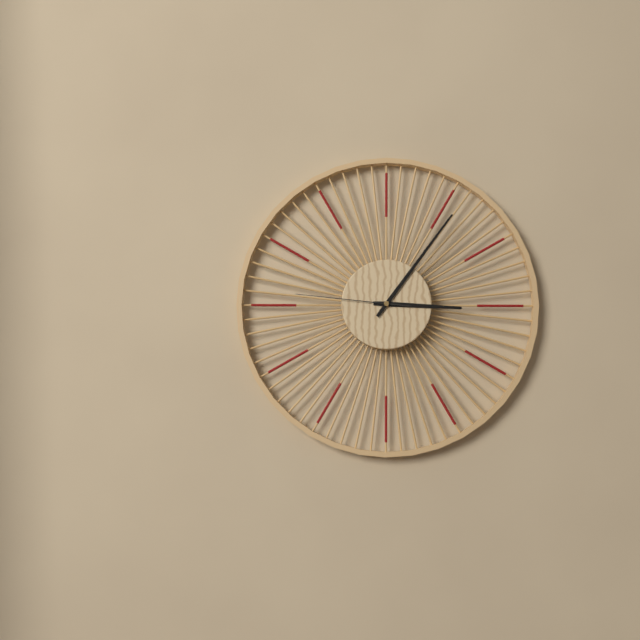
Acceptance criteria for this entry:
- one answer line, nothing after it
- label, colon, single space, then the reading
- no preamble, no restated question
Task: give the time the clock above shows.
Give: 3:06:46
